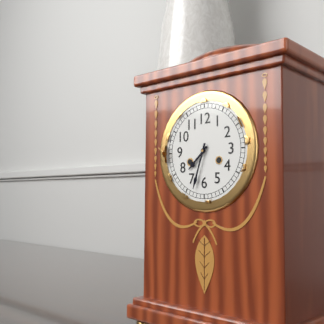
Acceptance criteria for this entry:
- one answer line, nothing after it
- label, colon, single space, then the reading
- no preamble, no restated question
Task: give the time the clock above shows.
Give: 7:33
